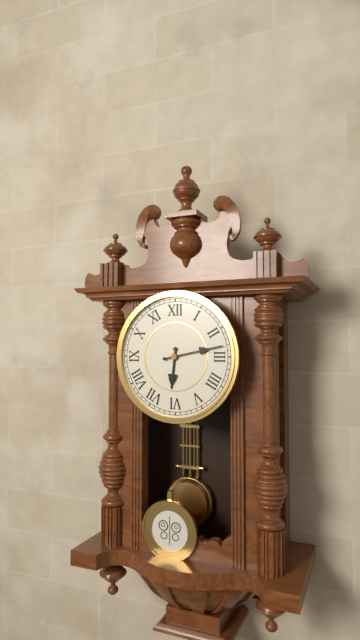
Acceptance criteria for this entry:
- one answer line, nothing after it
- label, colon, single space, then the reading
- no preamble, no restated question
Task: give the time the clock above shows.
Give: 6:13
